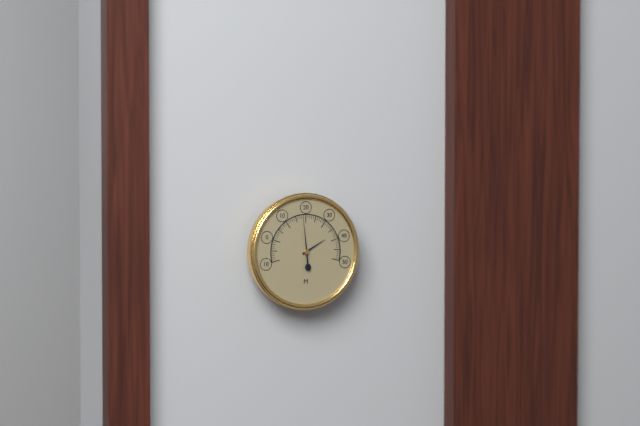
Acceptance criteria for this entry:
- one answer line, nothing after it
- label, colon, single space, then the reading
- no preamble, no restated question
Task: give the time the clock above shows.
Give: 1:59
